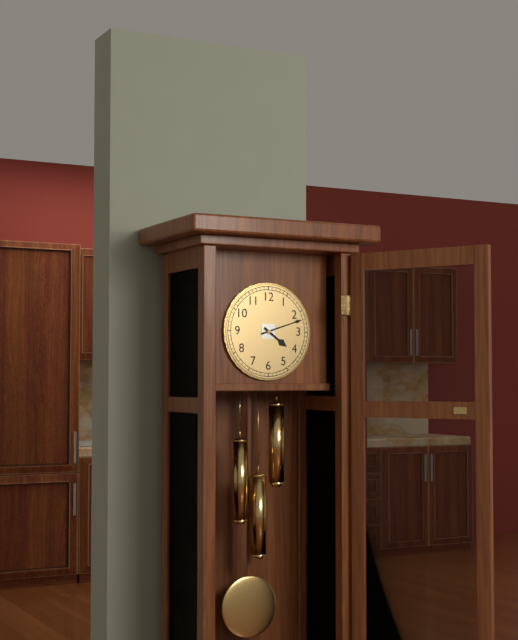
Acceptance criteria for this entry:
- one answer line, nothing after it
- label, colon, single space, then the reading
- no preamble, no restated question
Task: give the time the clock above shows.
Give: 4:12
